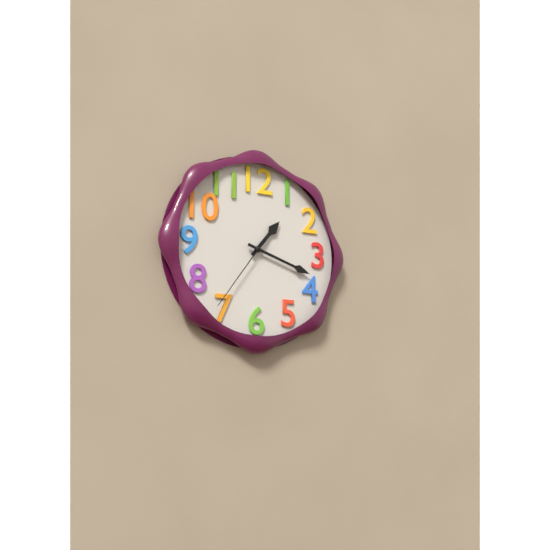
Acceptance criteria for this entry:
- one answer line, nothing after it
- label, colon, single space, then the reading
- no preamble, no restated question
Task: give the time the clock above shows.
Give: 1:18:36
